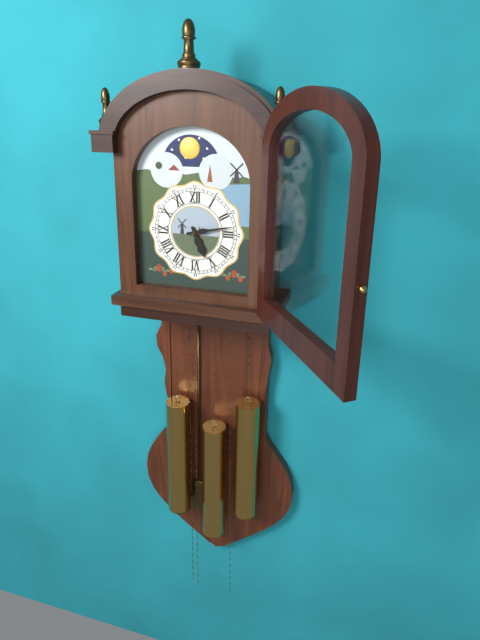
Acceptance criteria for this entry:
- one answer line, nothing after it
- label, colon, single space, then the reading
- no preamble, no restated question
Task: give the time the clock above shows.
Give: 5:13
